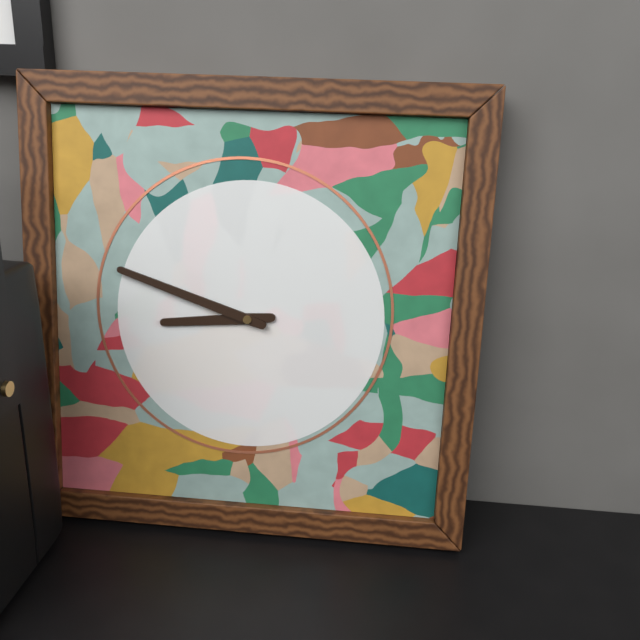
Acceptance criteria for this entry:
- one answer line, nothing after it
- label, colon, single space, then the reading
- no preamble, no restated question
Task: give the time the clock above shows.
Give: 8:48
